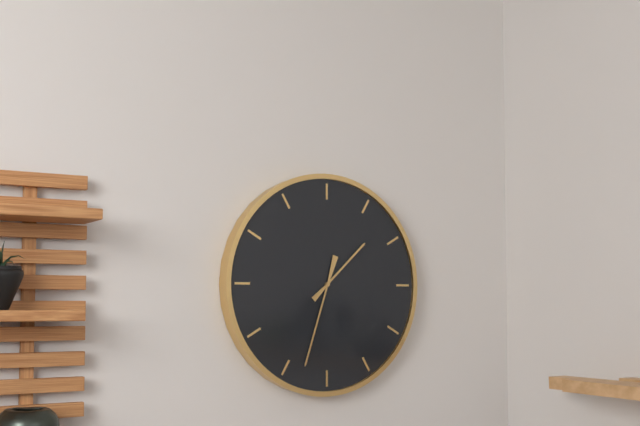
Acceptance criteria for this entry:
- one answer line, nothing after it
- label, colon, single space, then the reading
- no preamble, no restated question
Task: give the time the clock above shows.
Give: 1:33
